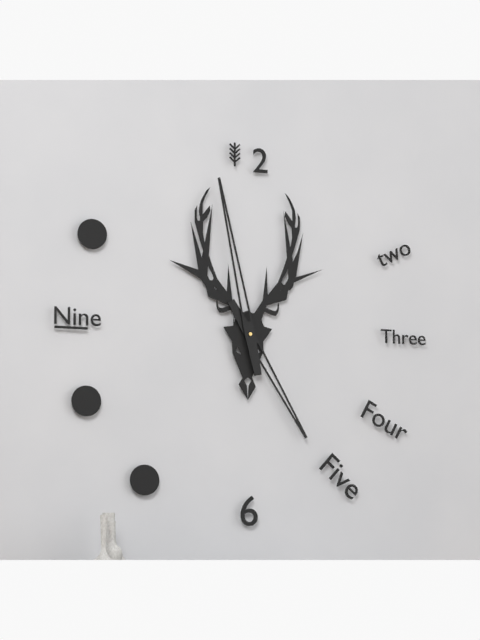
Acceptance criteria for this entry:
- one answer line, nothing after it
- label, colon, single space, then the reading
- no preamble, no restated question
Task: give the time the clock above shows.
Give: 4:58
